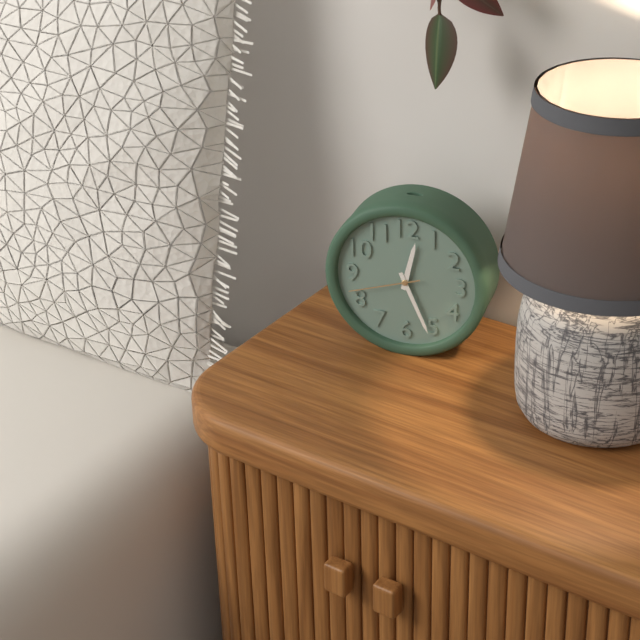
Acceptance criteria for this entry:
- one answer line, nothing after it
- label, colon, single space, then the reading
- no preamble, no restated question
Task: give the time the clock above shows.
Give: 12:26:42
